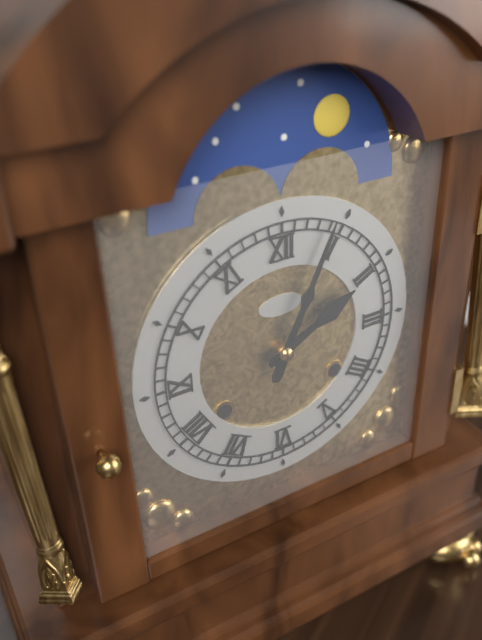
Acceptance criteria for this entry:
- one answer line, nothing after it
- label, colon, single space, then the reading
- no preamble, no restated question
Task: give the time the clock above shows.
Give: 2:04
